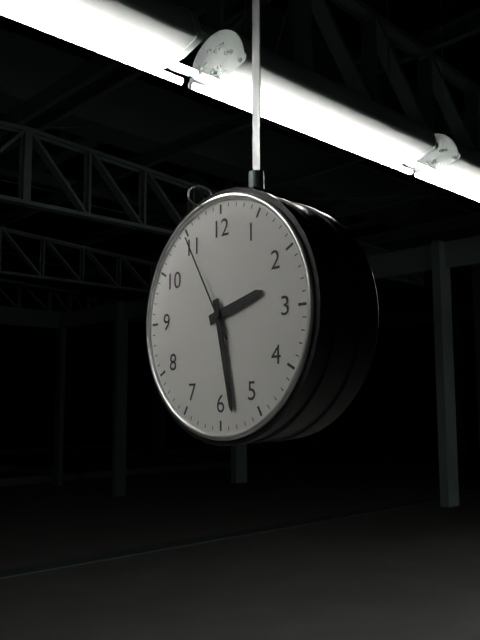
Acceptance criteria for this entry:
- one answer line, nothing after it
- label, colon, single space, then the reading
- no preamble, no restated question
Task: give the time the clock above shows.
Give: 2:28:55
